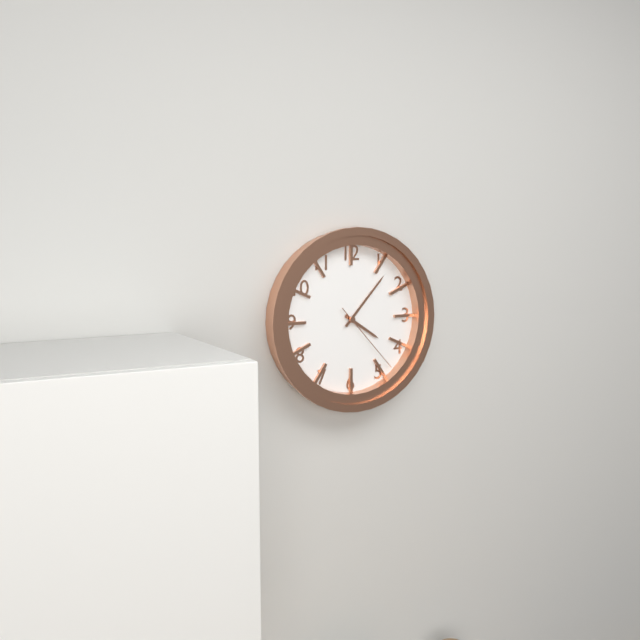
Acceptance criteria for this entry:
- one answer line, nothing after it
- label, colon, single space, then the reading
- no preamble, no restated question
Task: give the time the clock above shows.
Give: 4:07:23
